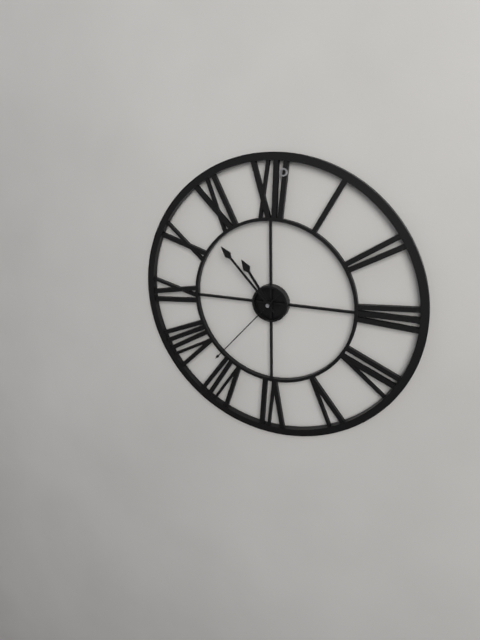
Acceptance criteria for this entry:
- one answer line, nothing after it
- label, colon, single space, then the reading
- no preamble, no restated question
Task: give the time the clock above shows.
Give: 10:53:37
